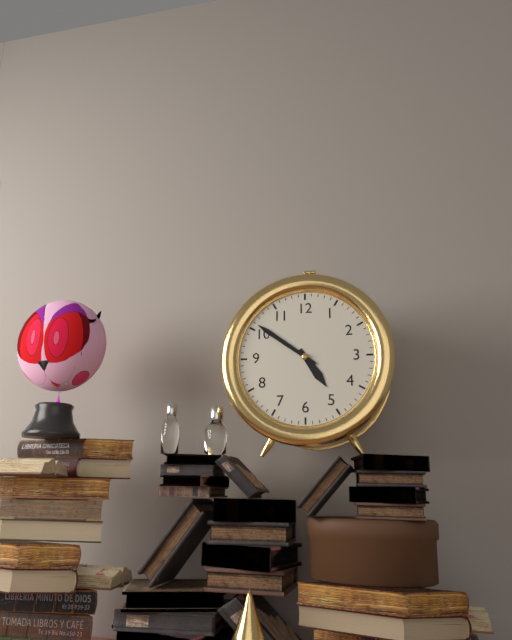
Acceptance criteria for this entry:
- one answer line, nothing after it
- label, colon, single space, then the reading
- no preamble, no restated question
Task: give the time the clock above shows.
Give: 4:51
